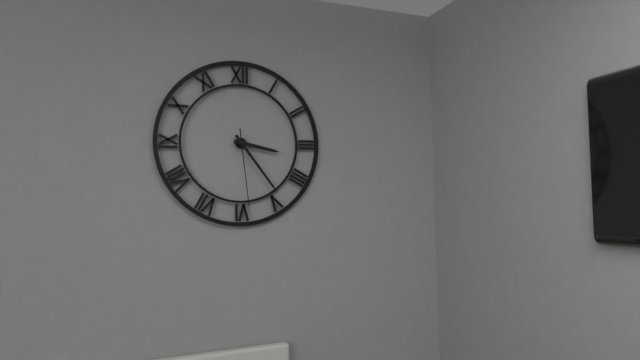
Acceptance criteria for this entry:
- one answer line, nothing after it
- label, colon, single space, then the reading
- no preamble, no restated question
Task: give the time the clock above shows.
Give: 3:24:29
